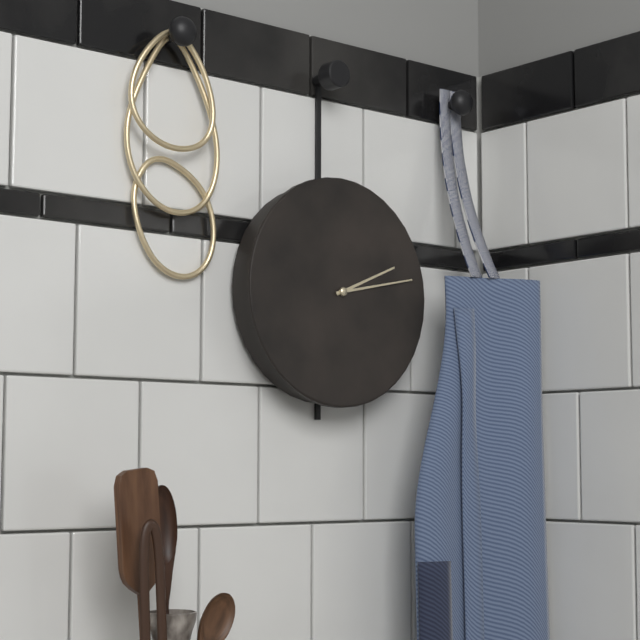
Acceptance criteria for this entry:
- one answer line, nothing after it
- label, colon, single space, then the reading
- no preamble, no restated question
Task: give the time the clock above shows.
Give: 2:13
